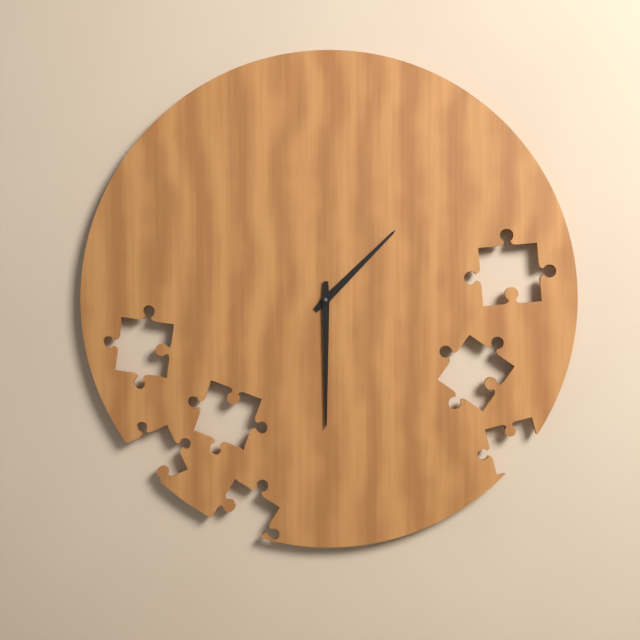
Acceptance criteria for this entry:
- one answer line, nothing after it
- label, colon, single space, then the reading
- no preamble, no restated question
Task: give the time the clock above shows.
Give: 1:30
